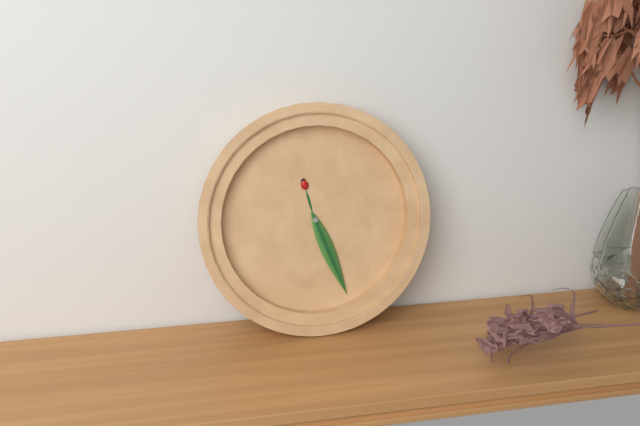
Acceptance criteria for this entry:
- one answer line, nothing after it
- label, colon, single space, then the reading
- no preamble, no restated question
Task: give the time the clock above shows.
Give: 11:26
